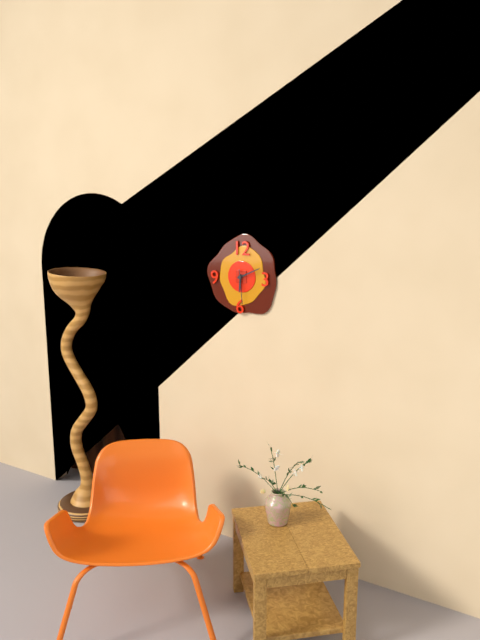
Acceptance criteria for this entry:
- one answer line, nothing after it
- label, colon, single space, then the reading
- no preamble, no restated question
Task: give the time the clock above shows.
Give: 6:11
